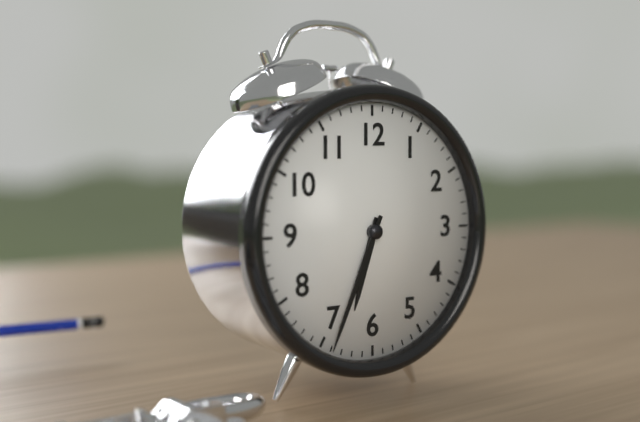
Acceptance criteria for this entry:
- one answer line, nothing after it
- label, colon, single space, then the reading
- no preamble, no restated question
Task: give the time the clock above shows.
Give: 6:34
